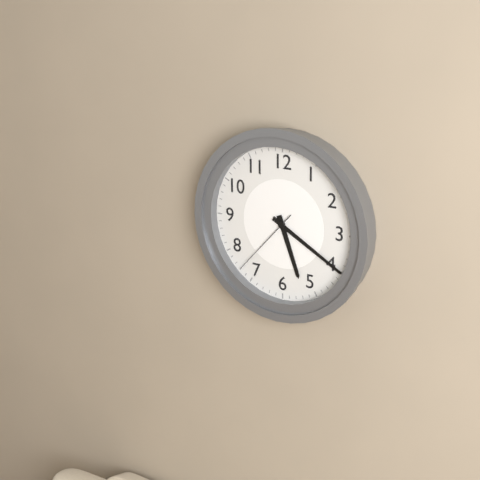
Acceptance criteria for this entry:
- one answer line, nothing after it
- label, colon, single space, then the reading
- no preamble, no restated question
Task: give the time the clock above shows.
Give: 5:20:37
